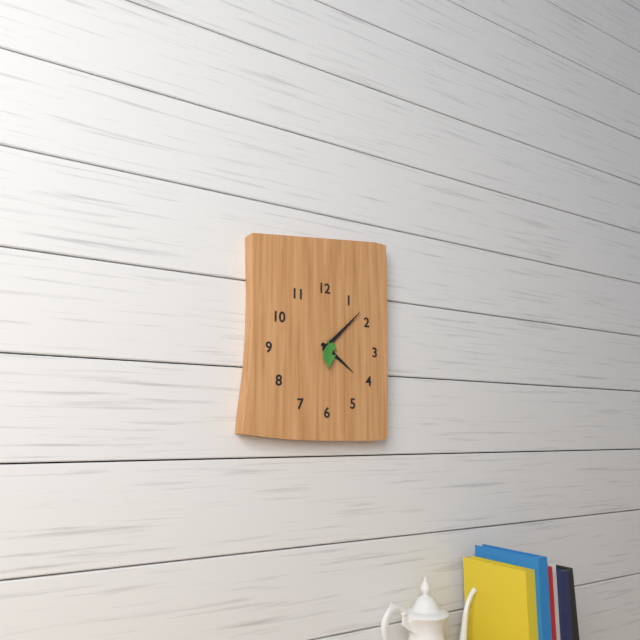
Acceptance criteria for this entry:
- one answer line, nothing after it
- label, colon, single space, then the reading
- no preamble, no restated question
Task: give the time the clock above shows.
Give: 4:08
